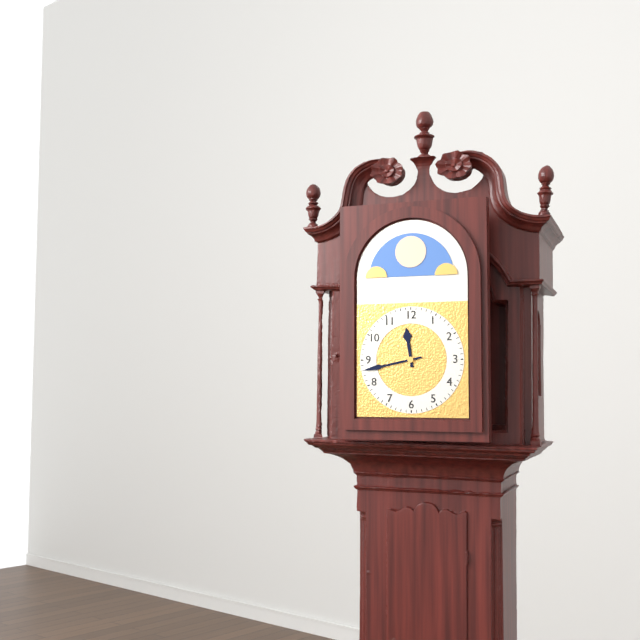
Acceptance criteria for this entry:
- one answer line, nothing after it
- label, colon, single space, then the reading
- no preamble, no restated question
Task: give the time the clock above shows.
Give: 11:43
